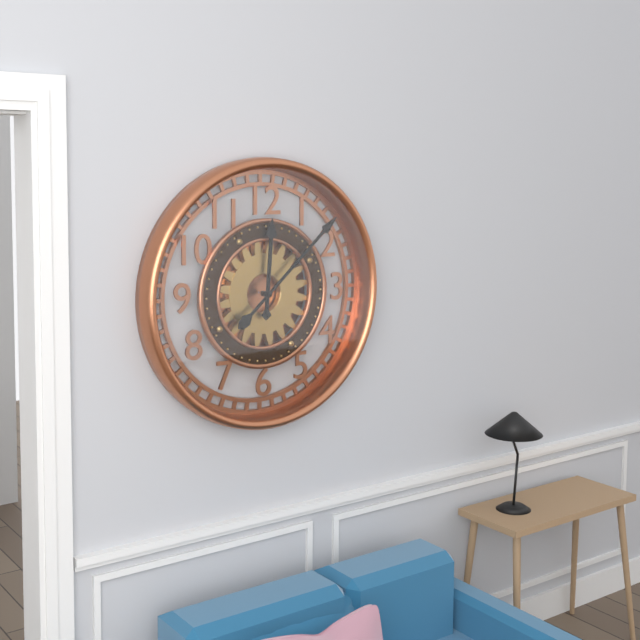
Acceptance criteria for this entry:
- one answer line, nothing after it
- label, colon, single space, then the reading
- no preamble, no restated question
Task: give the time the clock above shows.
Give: 12:08
